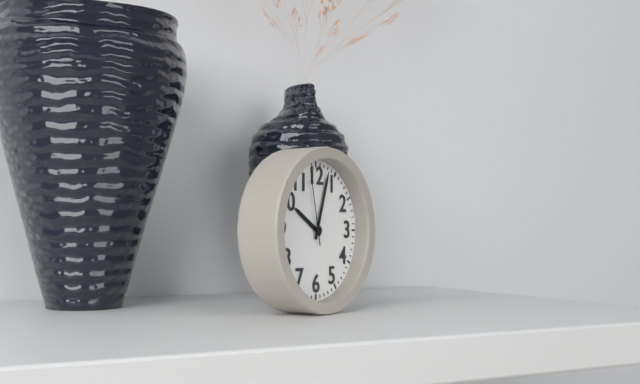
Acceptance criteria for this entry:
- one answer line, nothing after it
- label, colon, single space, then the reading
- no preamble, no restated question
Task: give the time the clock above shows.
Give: 10:03:58
